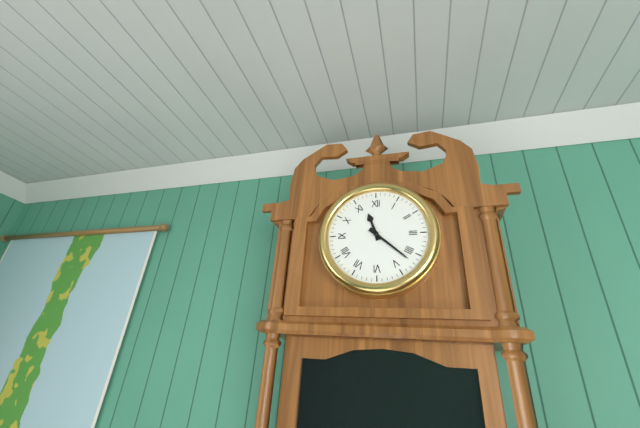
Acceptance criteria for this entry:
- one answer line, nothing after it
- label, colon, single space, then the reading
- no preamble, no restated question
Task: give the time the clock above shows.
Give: 11:22
